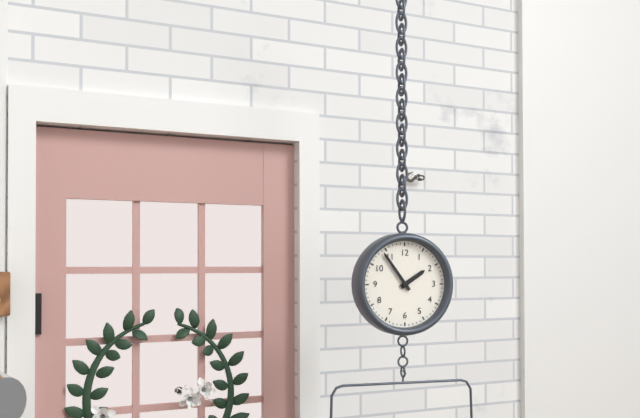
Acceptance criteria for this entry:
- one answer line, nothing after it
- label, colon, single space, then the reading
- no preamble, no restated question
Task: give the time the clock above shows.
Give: 1:54
